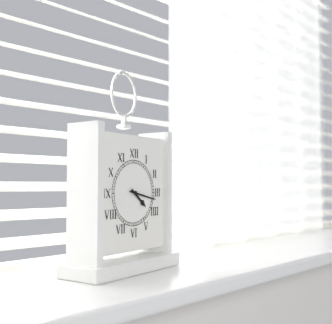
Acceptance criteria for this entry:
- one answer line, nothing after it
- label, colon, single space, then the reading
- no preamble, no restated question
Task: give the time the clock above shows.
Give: 4:17
